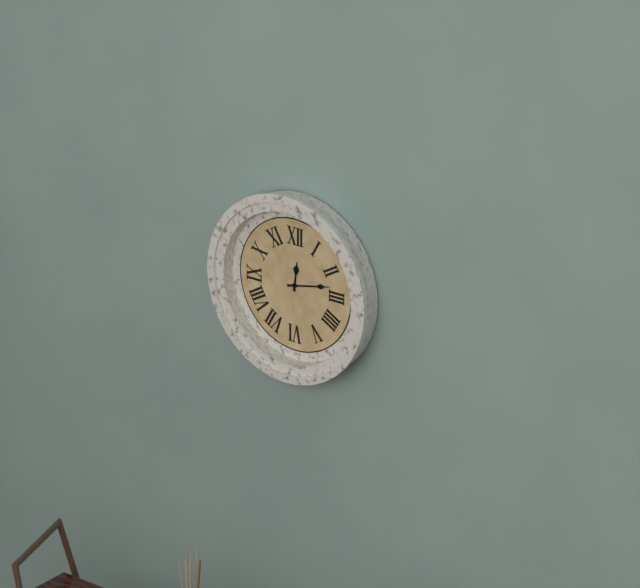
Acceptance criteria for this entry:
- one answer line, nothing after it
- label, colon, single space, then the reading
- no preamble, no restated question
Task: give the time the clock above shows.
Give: 12:13
